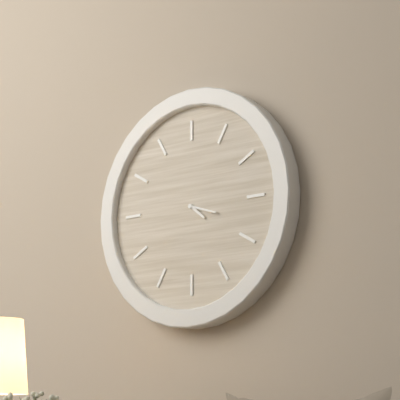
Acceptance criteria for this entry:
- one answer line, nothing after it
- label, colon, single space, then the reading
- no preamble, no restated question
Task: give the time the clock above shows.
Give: 4:18
